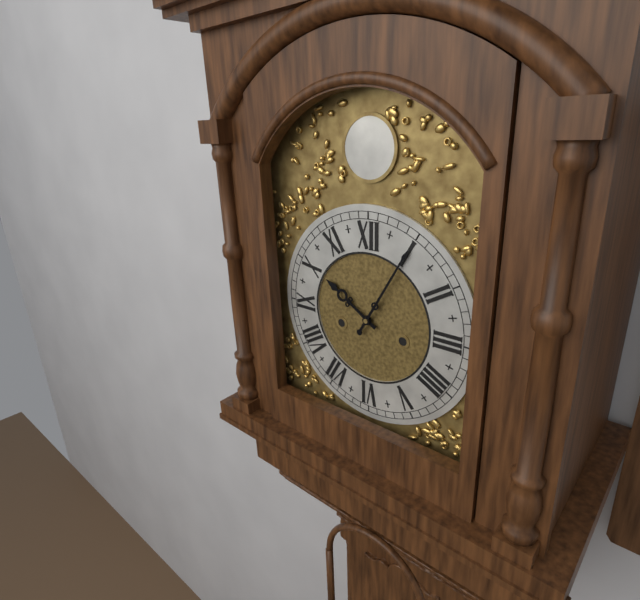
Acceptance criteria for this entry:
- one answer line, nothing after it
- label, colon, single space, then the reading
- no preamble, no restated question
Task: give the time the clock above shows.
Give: 10:05
